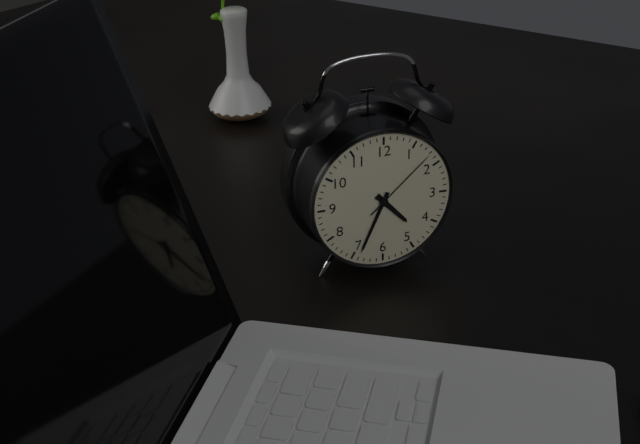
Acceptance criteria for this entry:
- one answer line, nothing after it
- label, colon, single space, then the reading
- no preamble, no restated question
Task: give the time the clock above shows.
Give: 4:34:08
